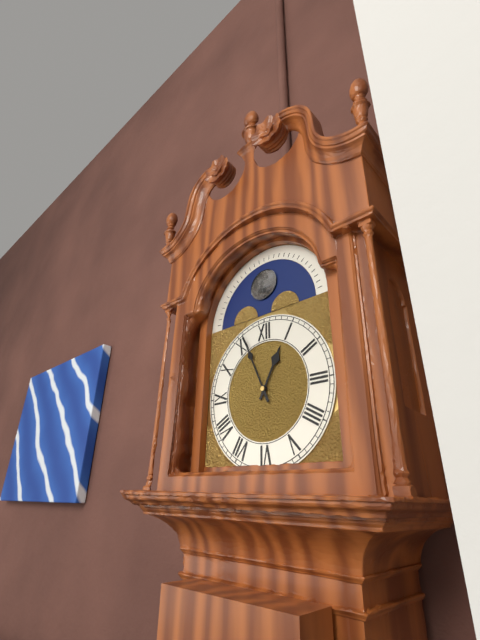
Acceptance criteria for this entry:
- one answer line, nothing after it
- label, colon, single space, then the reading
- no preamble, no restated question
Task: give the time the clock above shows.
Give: 12:56
